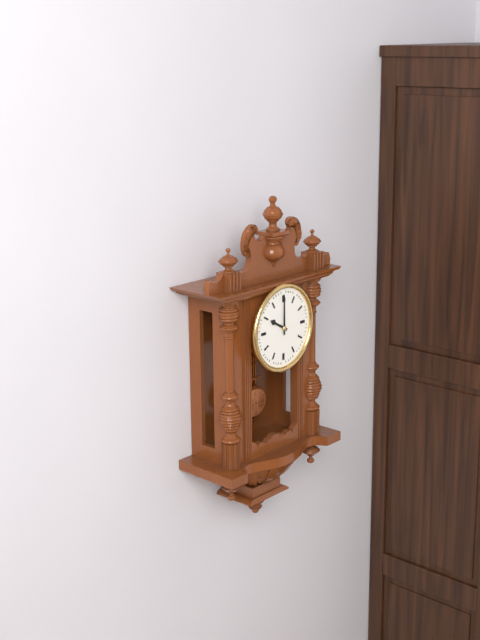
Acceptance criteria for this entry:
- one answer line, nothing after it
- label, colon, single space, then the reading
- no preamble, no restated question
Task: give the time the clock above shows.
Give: 10:00
